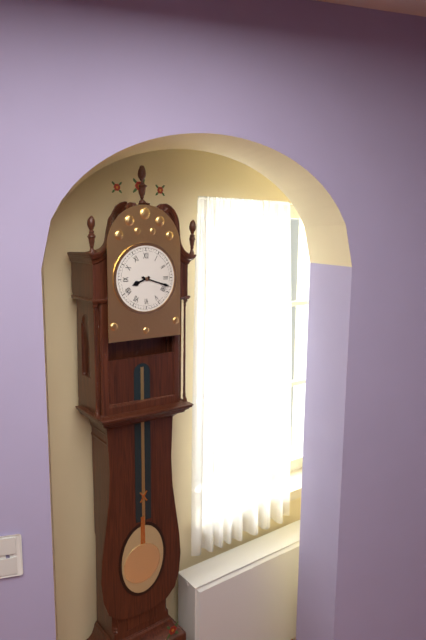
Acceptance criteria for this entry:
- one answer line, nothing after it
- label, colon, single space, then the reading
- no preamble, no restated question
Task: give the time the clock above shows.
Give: 8:18
